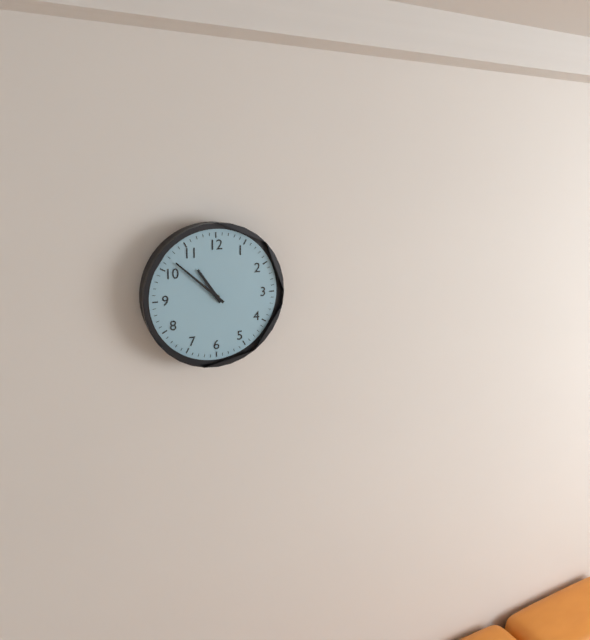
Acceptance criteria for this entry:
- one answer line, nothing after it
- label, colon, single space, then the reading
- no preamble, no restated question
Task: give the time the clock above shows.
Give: 10:52
